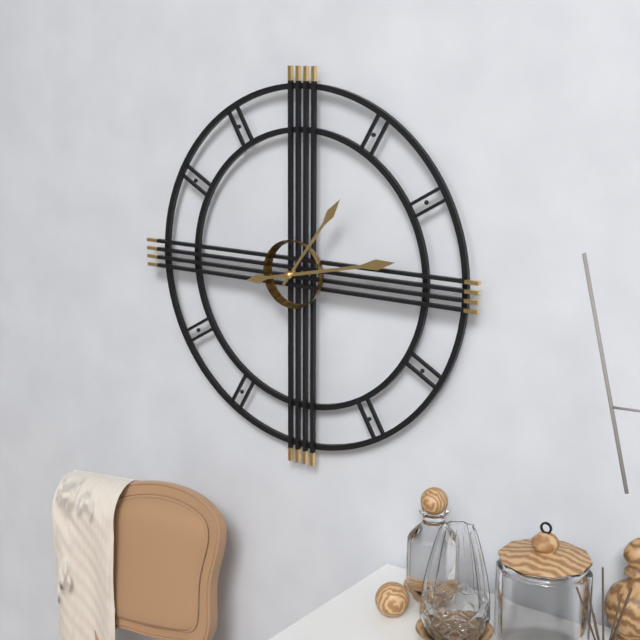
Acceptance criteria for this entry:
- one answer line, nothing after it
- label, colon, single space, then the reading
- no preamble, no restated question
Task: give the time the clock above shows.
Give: 1:13
